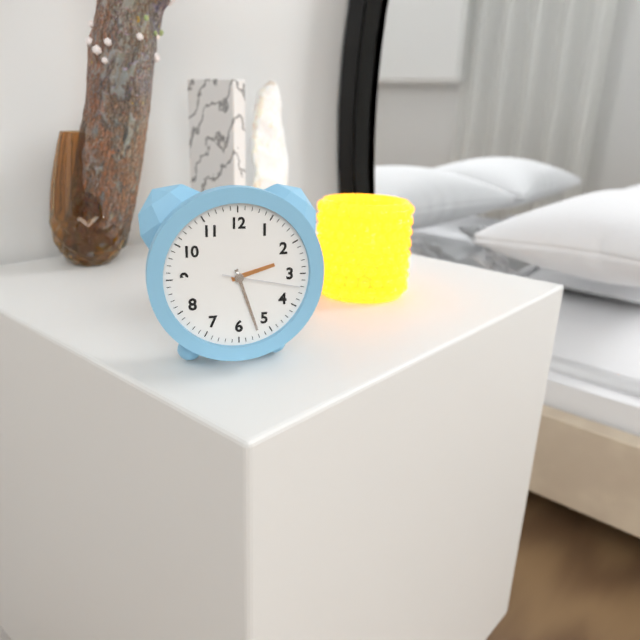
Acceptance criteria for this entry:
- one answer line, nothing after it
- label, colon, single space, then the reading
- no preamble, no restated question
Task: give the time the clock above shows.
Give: 2:27:17
